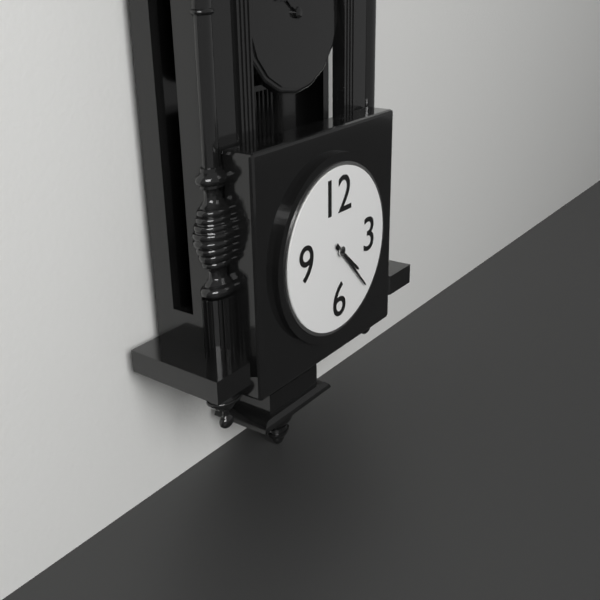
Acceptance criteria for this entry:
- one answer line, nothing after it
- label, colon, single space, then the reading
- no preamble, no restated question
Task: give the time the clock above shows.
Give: 4:23
